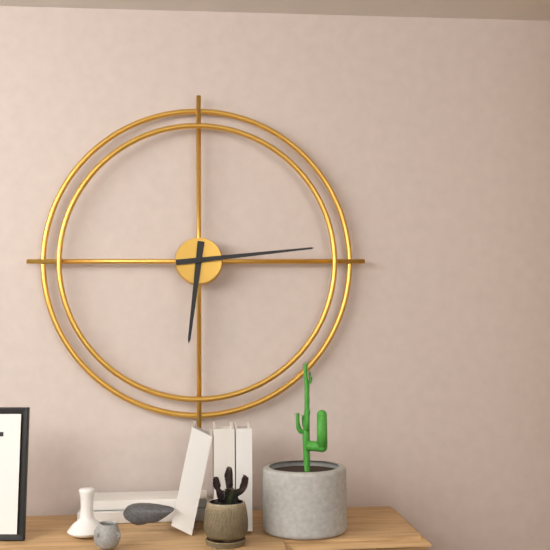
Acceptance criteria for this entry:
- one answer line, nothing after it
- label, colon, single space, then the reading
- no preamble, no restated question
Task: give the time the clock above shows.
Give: 6:14
